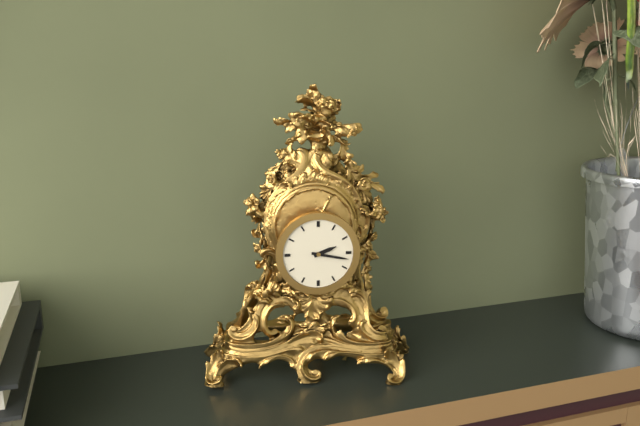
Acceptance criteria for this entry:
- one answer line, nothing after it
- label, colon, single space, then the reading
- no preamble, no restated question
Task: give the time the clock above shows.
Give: 2:17
